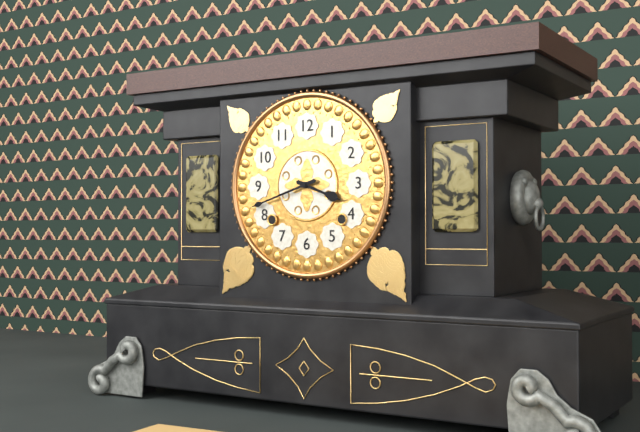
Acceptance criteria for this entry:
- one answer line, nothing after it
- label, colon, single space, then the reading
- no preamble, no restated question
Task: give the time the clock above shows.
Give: 3:42
